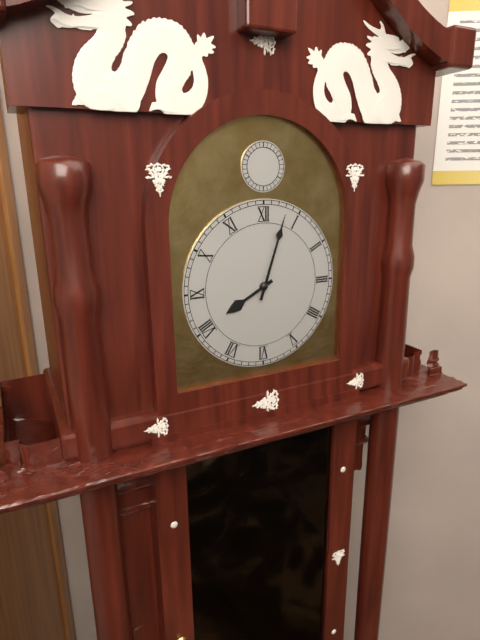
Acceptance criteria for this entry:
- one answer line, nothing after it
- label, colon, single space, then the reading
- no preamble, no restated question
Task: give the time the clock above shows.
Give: 8:03
